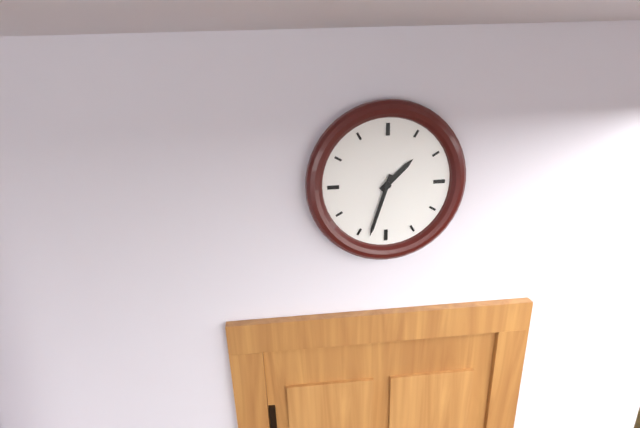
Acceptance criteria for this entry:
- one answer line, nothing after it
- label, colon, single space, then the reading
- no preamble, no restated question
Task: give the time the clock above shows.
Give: 1:33
